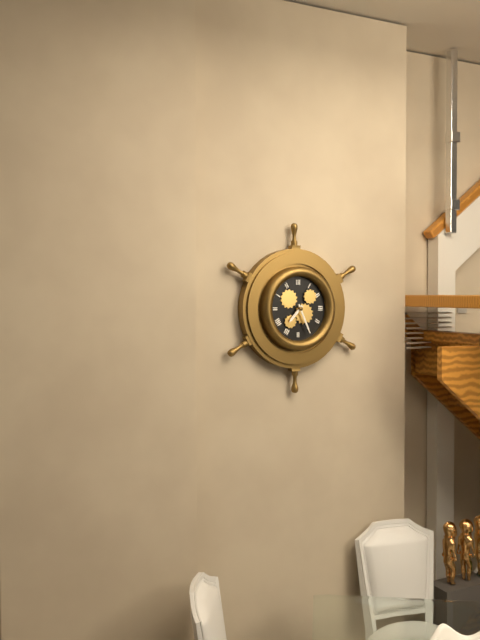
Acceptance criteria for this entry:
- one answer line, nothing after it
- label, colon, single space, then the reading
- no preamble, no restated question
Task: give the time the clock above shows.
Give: 7:26
